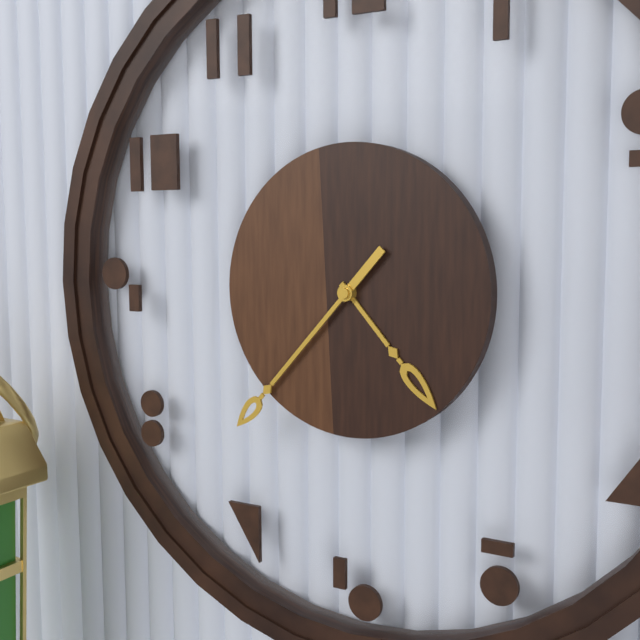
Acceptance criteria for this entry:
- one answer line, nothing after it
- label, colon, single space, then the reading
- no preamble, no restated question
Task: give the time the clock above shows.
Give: 4:37
